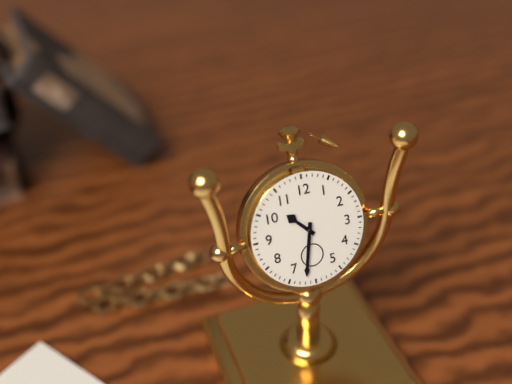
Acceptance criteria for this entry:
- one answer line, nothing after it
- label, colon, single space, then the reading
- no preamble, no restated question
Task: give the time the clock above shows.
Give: 10:32
